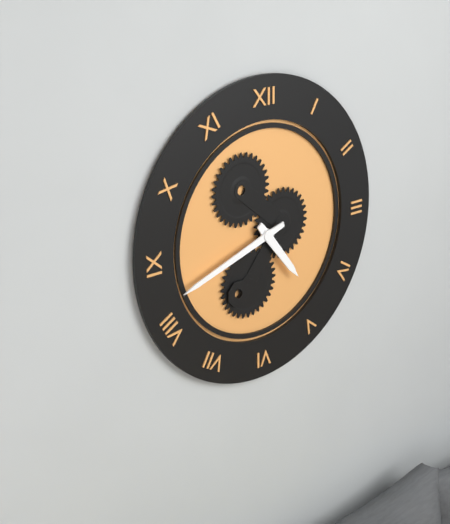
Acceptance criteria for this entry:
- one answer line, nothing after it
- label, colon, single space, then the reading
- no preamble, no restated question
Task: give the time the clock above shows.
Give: 4:42
